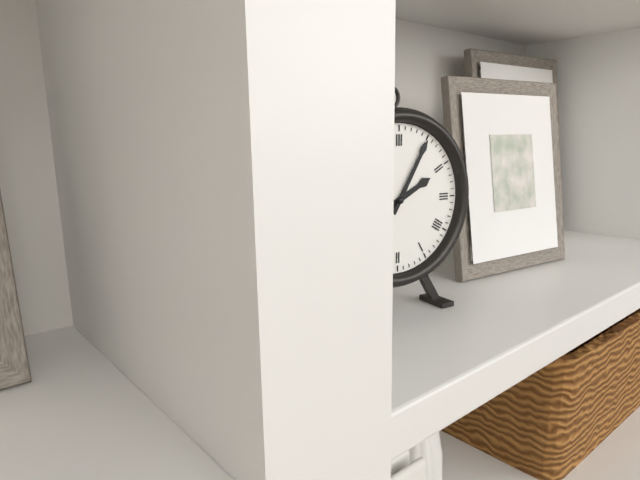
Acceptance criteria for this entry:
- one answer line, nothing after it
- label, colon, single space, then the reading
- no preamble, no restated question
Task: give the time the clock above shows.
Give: 2:05
